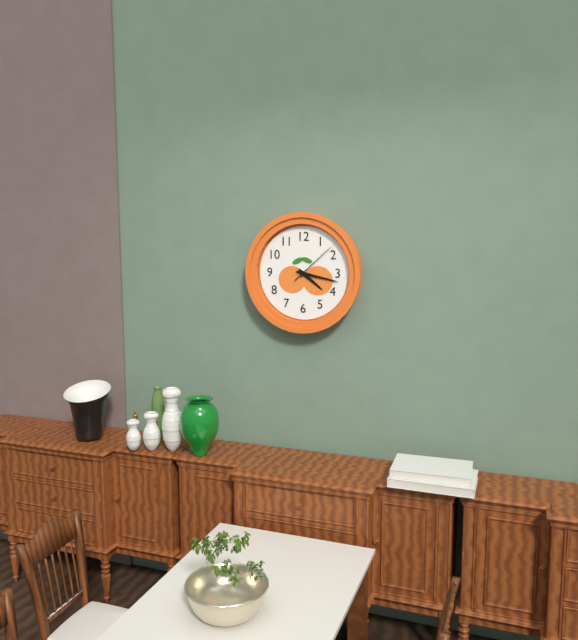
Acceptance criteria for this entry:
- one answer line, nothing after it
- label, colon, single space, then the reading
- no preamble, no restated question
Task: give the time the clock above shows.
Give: 4:17:08
